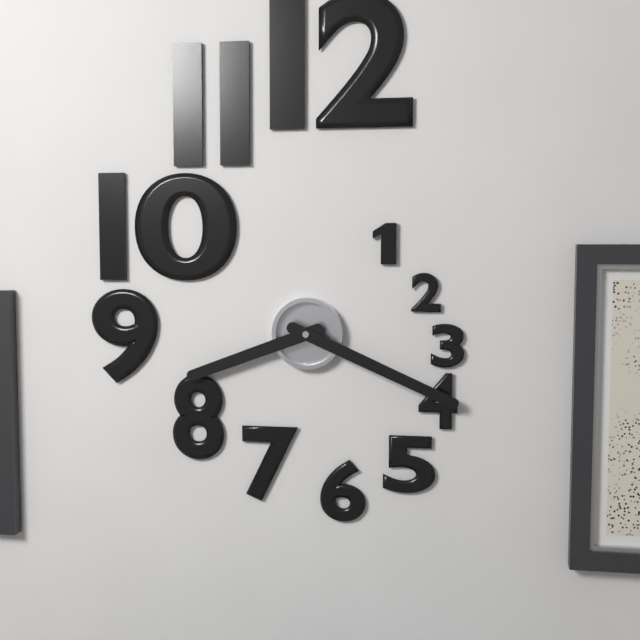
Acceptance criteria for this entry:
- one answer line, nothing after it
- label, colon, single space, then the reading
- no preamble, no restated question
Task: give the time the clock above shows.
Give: 8:19
